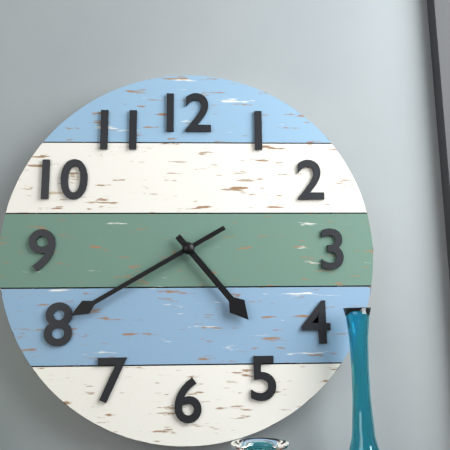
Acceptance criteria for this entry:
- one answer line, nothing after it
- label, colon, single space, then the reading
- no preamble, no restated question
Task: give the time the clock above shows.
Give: 4:40
